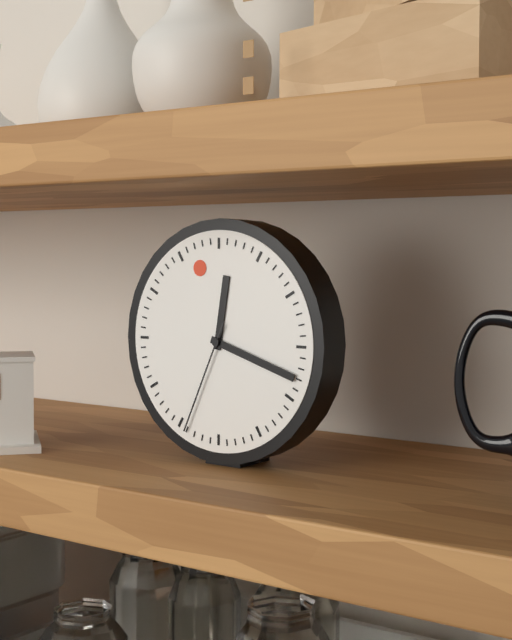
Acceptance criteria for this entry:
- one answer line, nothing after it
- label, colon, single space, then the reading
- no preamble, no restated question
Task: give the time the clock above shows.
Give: 12:18:34
